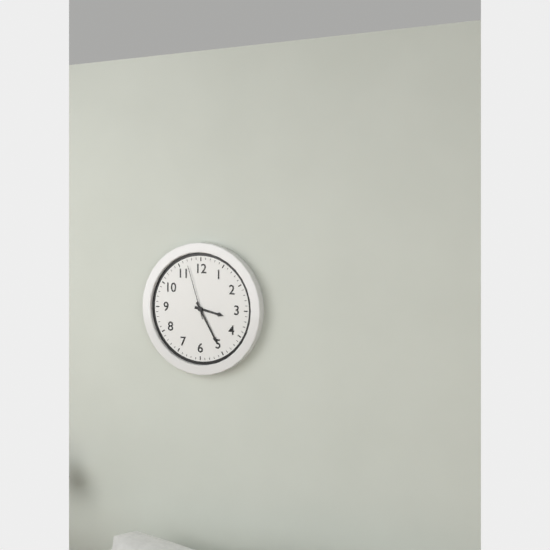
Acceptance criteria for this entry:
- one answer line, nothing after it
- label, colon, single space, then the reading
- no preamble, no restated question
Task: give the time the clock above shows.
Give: 3:25:57
